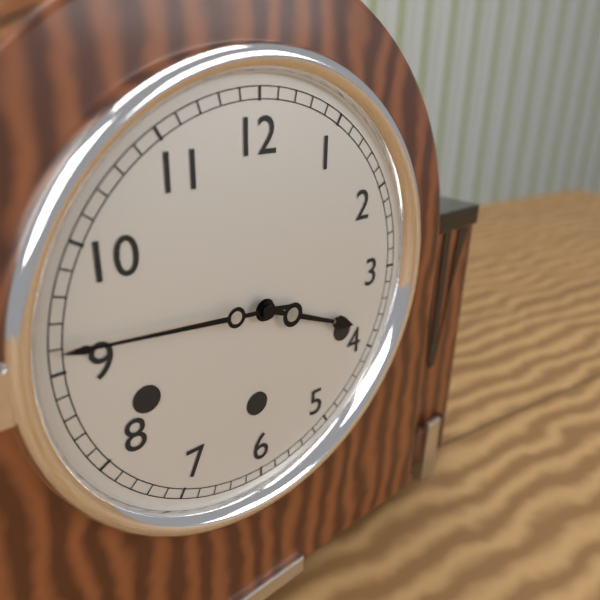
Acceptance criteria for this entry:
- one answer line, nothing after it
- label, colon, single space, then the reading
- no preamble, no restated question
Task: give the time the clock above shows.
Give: 3:46
